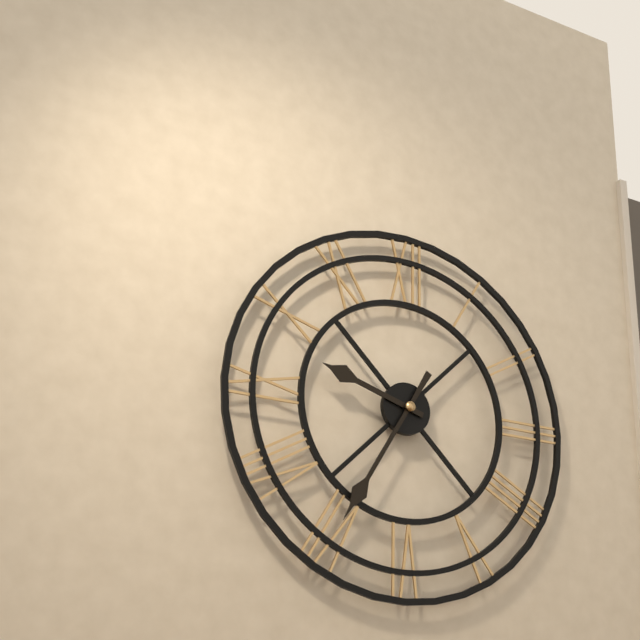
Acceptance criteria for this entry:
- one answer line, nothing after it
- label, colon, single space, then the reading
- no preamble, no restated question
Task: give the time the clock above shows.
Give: 9:35
